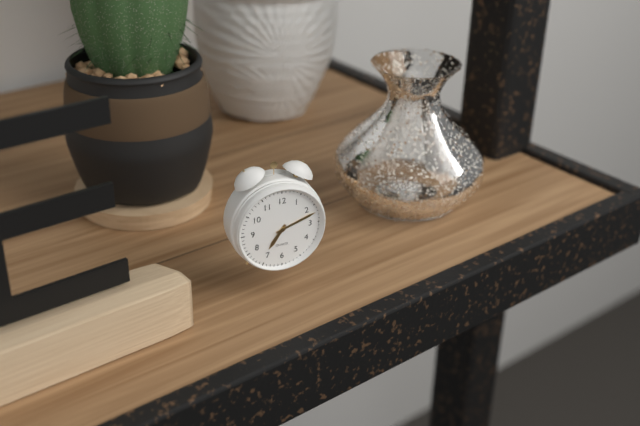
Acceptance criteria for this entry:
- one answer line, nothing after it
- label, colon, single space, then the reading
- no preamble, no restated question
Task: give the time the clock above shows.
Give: 7:12
